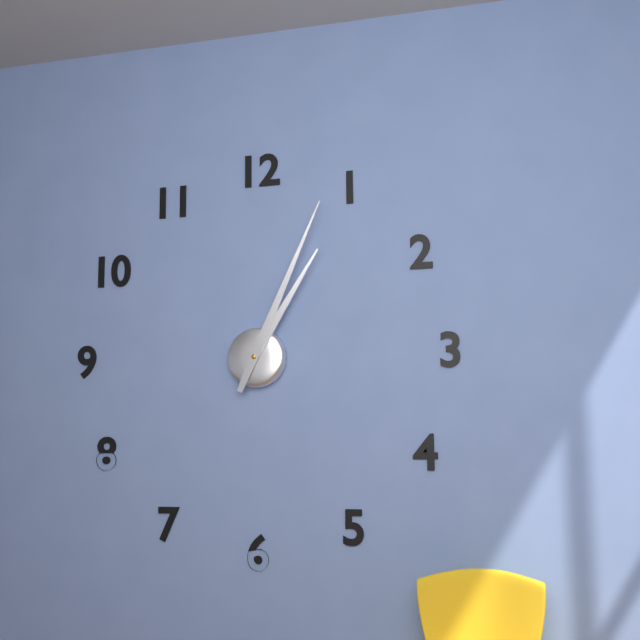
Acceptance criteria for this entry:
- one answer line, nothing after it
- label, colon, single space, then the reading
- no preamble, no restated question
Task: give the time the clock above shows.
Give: 1:04
